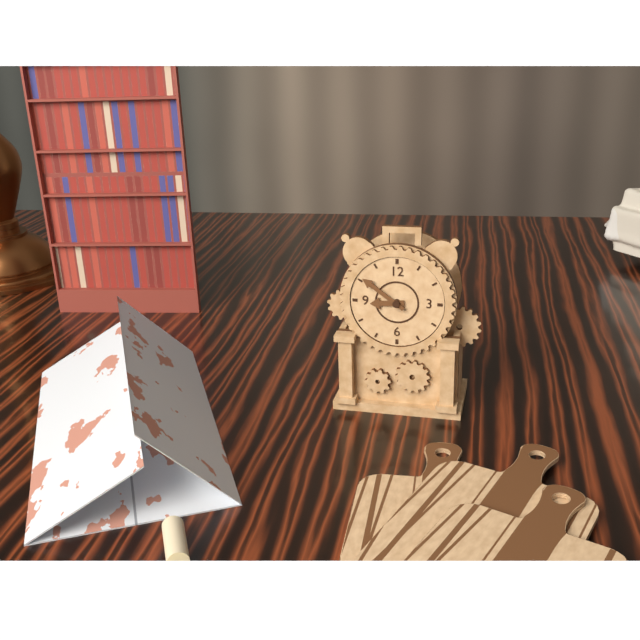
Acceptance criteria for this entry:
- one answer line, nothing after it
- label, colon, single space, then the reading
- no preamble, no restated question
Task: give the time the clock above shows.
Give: 8:51
